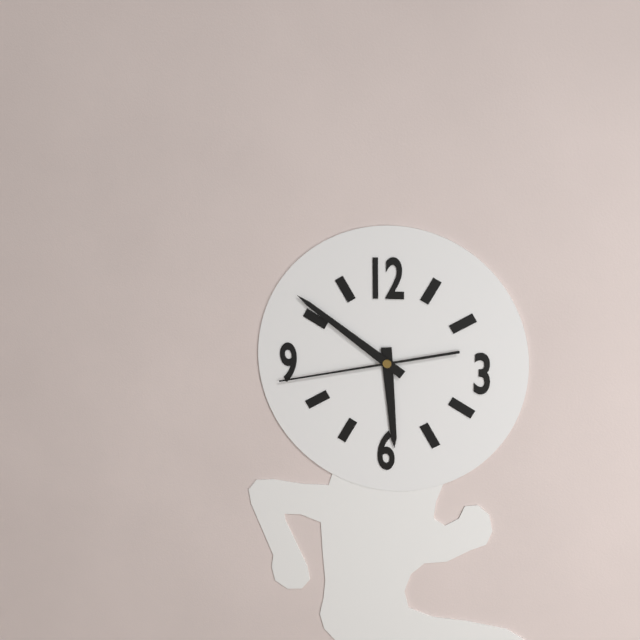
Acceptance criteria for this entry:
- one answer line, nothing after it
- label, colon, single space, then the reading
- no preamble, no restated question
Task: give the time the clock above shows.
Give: 5:51:43
